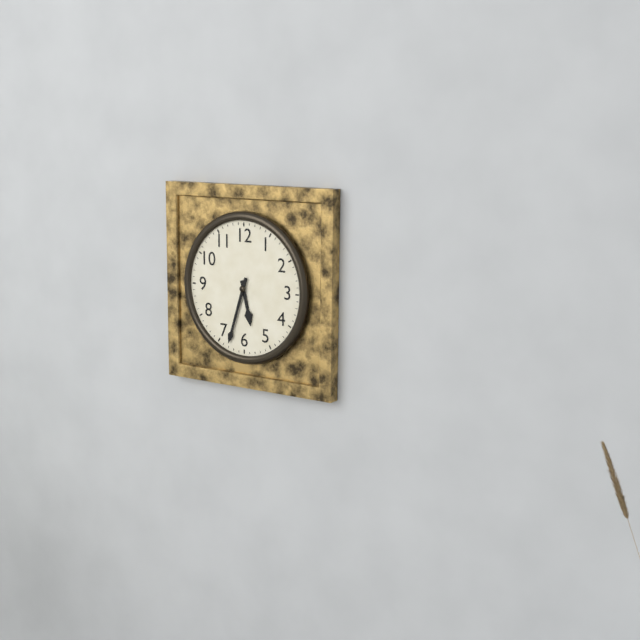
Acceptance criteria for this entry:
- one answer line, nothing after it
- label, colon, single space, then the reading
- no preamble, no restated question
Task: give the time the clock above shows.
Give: 5:33
